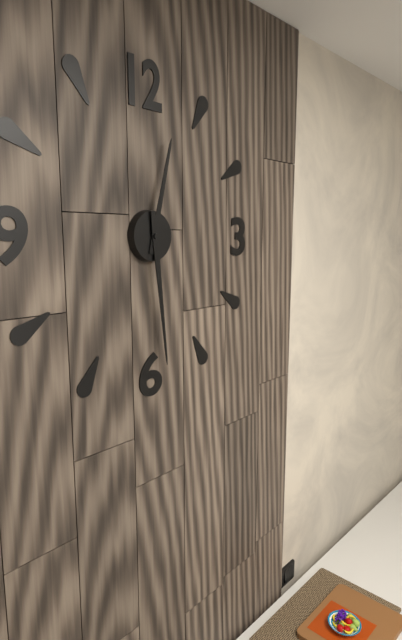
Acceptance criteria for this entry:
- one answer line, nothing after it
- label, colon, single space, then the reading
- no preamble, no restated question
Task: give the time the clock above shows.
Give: 12:29
